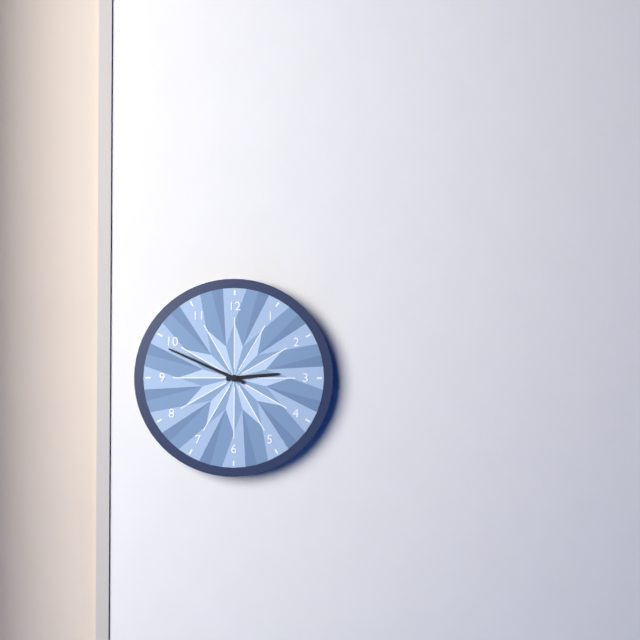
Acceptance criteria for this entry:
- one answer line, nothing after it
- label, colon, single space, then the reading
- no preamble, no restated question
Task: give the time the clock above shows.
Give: 2:49
